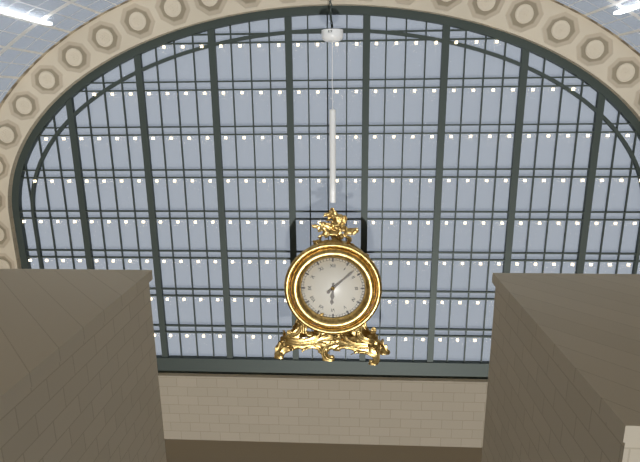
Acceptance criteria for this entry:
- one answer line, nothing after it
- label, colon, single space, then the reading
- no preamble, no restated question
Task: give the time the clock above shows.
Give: 6:08
